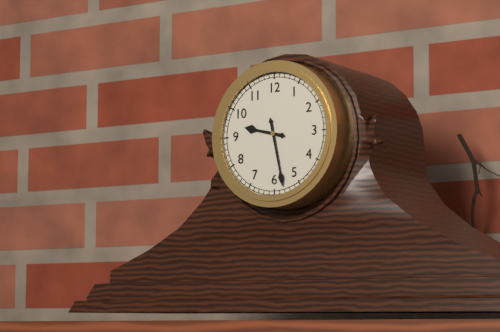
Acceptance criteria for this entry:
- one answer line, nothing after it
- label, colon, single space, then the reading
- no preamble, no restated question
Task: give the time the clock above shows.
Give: 9:28
